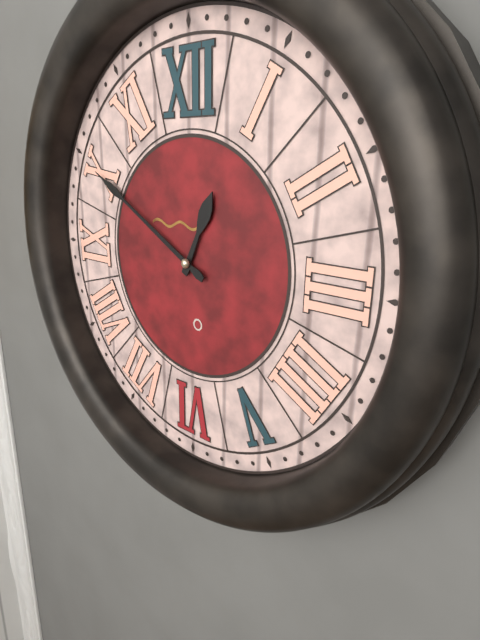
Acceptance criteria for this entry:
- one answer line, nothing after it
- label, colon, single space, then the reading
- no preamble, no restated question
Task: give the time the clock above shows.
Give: 12:50
